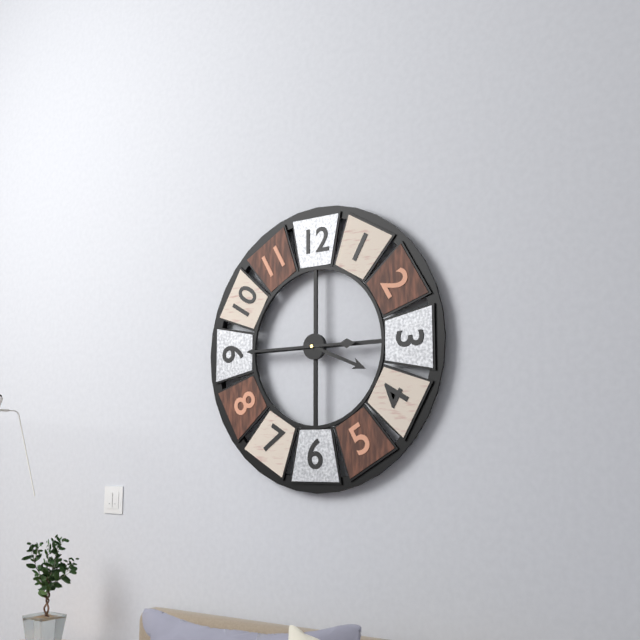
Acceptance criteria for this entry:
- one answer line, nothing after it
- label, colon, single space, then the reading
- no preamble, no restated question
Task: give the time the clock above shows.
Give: 3:45
